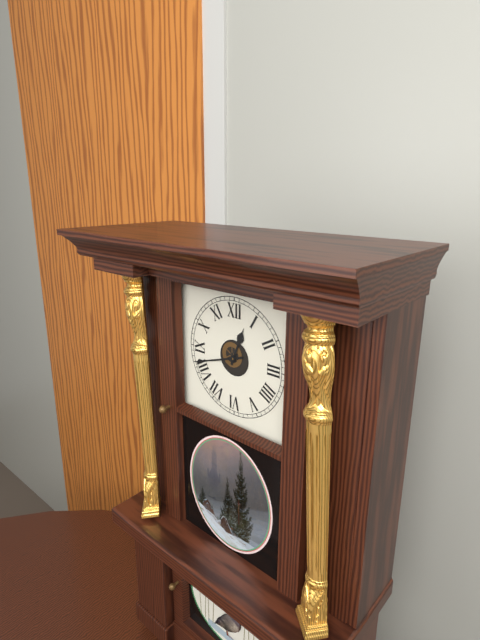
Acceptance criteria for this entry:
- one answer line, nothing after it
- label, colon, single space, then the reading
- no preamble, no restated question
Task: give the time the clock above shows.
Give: 12:42
